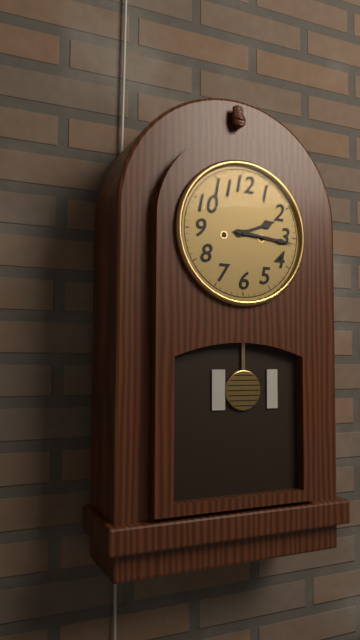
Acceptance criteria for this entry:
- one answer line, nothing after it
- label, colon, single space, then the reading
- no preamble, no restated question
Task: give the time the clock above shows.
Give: 2:16
